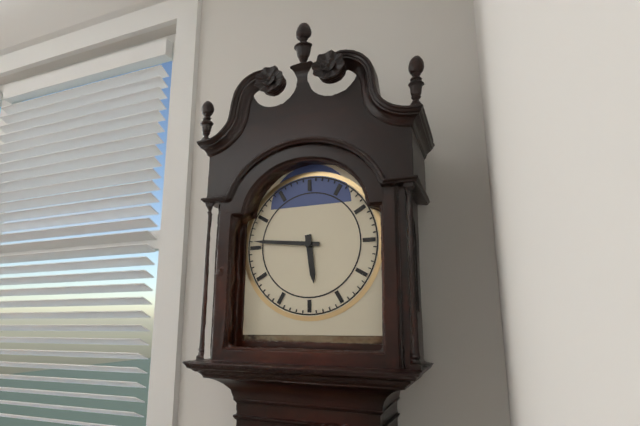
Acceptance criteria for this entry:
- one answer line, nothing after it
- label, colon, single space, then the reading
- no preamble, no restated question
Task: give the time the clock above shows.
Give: 5:46
